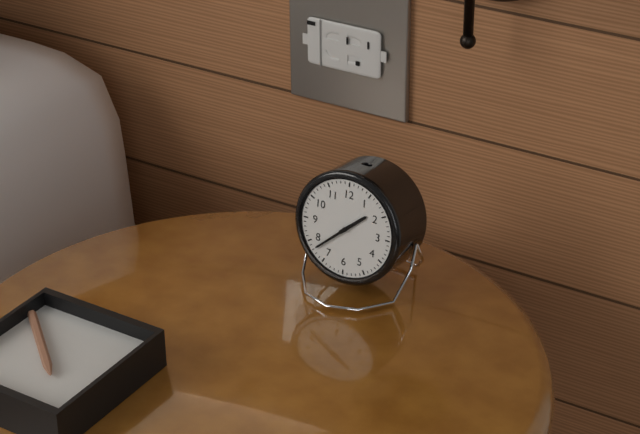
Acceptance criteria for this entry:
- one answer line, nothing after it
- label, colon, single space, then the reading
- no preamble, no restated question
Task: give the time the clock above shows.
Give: 1:38
